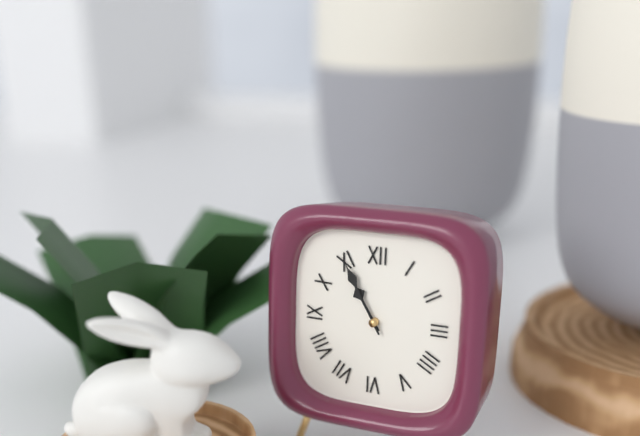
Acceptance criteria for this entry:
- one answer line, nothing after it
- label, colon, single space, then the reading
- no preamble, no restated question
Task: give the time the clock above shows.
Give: 10:55
